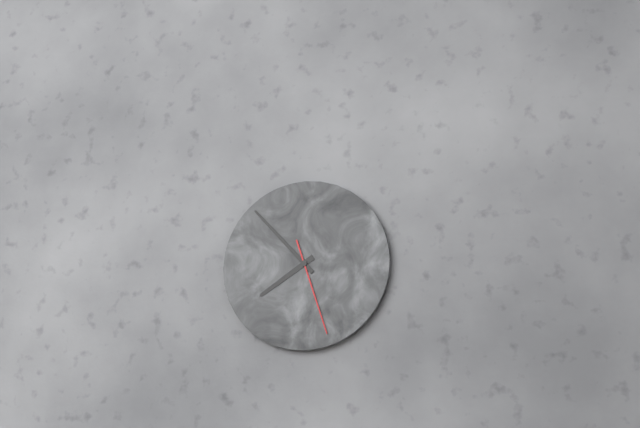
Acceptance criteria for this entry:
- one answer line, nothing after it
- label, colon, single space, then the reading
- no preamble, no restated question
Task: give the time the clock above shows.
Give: 7:53:27
